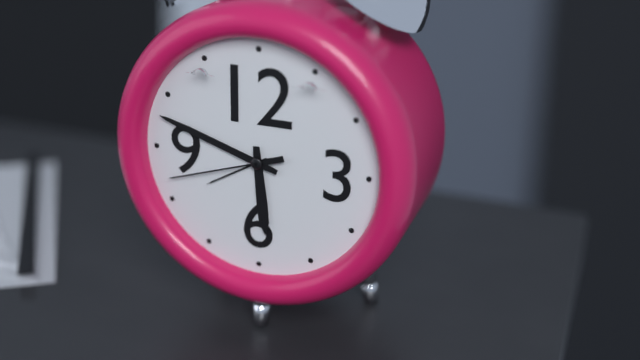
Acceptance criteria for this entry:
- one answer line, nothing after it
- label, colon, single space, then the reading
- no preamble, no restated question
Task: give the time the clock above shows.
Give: 5:48:42
